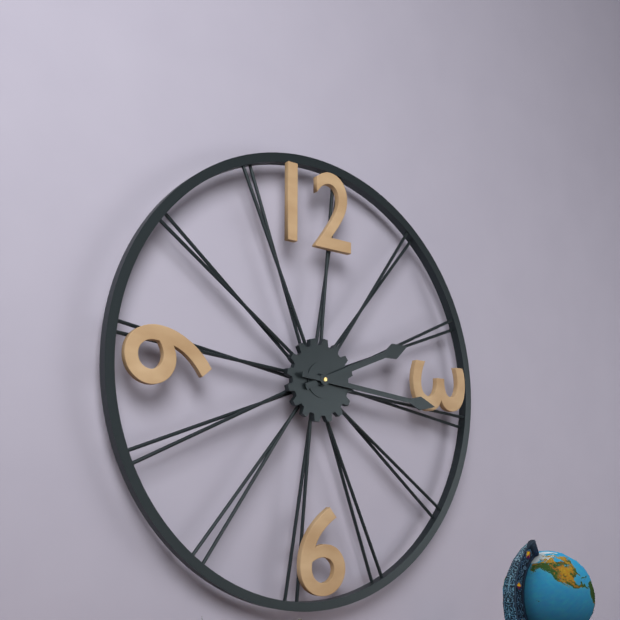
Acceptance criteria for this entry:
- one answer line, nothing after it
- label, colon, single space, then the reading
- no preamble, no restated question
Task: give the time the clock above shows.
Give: 2:16
